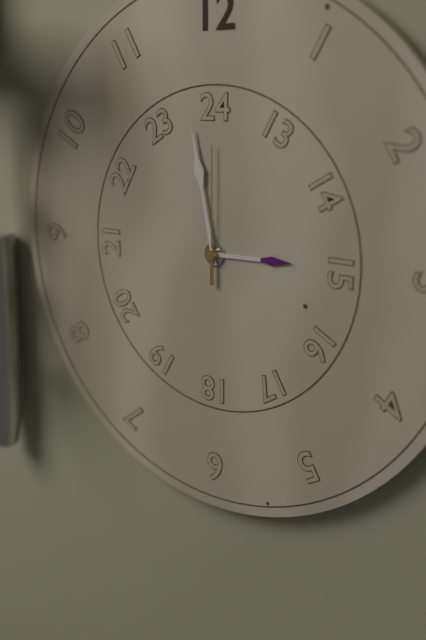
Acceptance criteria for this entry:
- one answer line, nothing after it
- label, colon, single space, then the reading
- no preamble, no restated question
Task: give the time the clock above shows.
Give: 2:58:00
